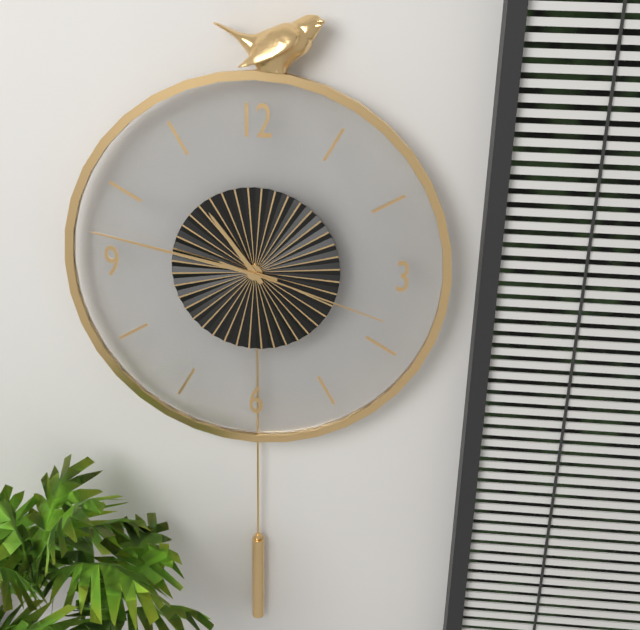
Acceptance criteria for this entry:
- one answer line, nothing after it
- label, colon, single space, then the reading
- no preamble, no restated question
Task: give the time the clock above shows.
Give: 10:47:18
